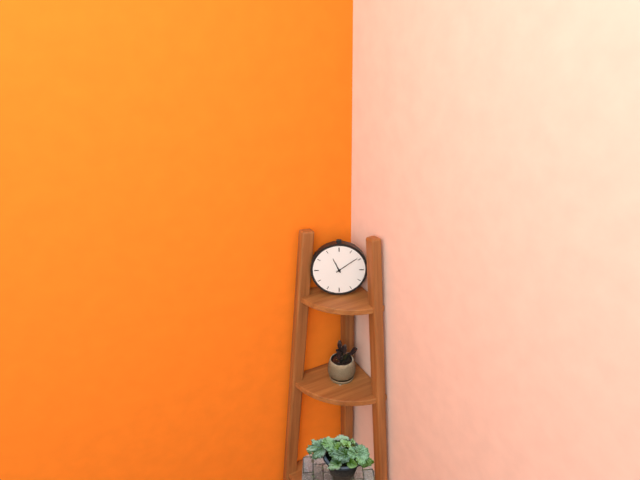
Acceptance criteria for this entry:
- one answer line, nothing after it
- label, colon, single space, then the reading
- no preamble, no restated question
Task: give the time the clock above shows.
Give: 11:09
